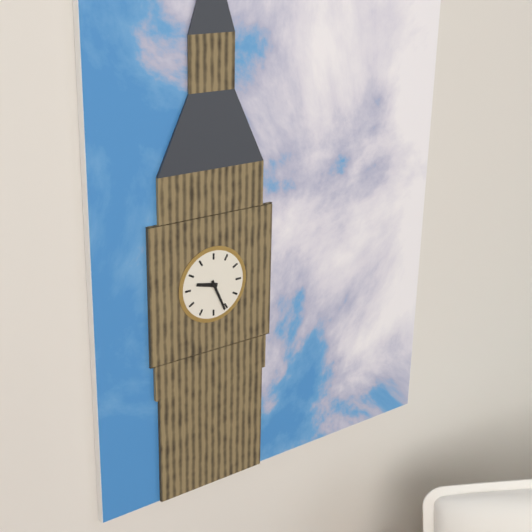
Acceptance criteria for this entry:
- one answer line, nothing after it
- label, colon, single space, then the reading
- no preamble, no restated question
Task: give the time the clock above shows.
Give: 9:26
